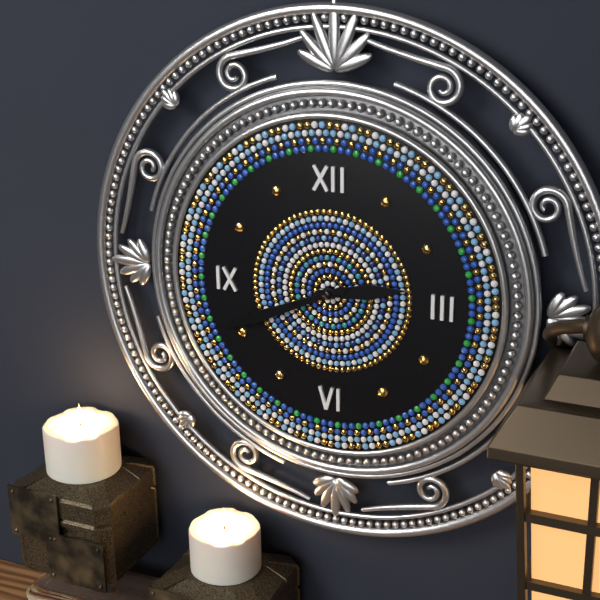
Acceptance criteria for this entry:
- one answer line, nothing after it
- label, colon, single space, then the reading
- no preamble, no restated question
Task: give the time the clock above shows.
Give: 2:41
